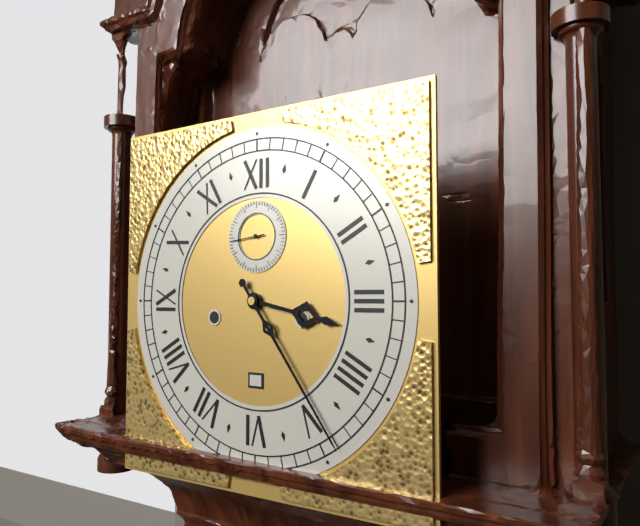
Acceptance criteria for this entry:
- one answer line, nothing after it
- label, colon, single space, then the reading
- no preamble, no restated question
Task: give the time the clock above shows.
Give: 3:24
